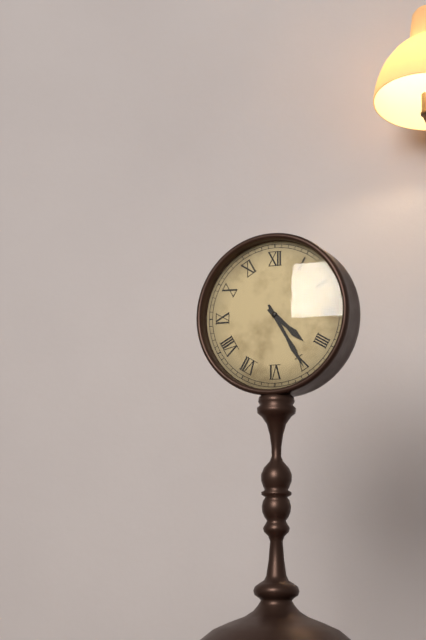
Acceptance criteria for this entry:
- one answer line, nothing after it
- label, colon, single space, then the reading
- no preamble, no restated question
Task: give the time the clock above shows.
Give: 4:25
